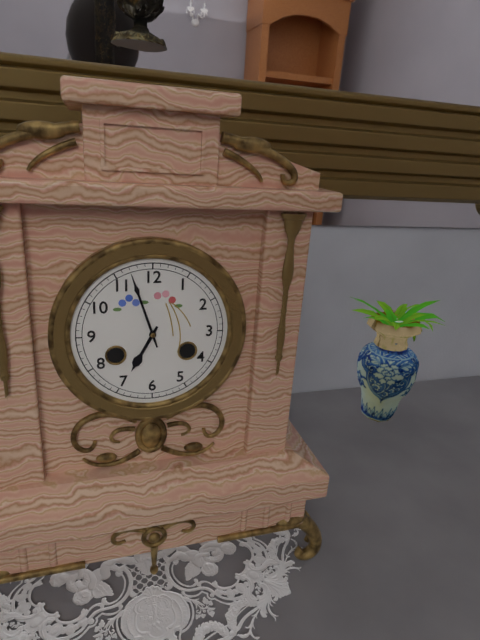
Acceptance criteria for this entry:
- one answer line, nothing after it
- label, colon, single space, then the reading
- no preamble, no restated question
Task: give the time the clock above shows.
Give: 6:57
